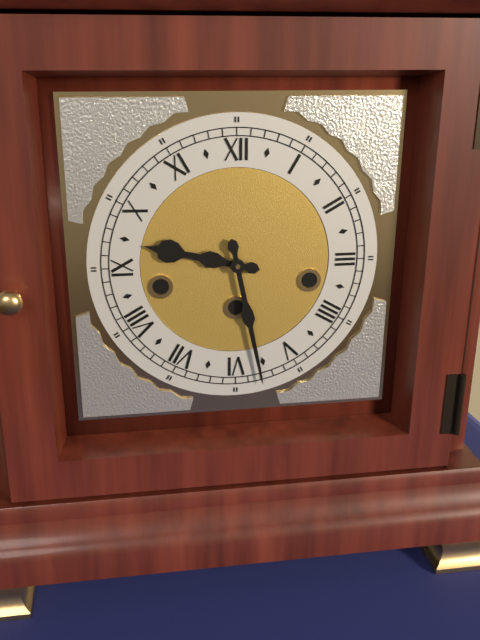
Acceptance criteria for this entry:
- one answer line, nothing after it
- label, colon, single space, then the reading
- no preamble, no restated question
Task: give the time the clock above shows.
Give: 9:28
